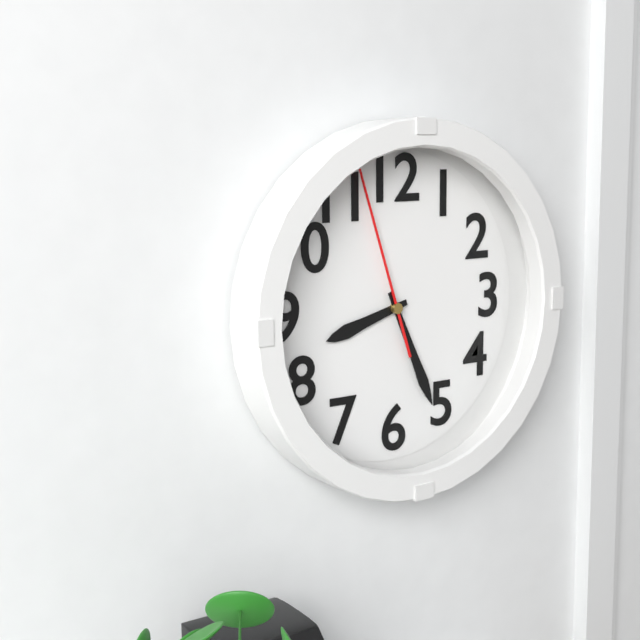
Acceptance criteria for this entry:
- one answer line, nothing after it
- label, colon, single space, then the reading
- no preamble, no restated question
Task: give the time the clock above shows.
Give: 8:26:57
